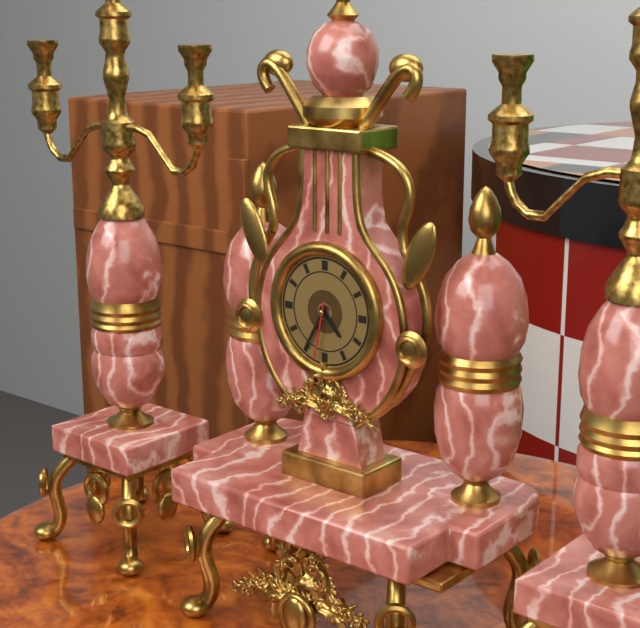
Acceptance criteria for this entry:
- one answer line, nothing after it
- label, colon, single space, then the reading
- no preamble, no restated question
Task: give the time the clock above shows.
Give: 4:35:32
